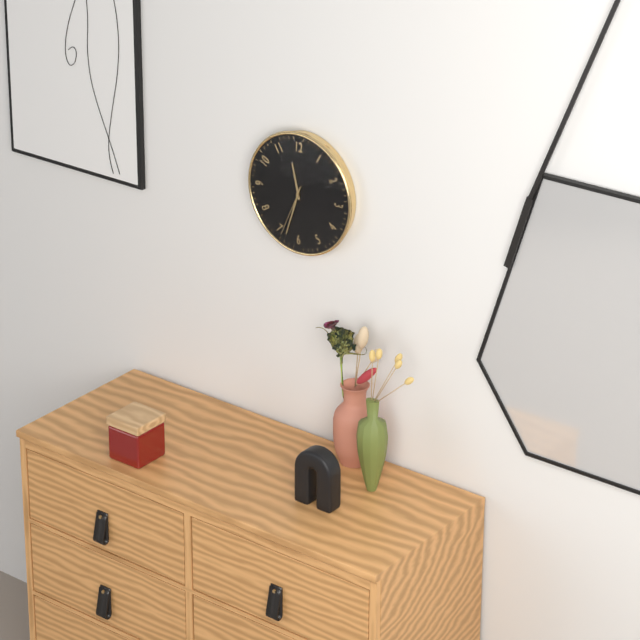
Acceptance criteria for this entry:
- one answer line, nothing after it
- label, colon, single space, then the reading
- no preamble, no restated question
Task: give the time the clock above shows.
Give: 11:33:34
